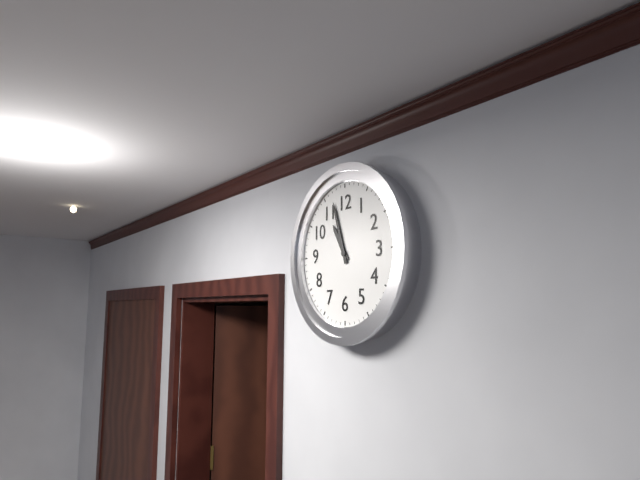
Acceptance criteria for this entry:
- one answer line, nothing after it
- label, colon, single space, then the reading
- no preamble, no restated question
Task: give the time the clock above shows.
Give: 10:57
